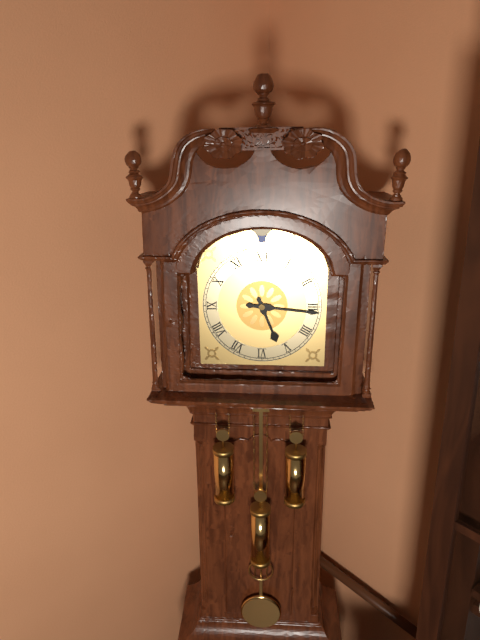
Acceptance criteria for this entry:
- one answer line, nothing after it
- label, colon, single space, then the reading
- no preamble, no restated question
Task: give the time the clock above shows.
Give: 5:16
